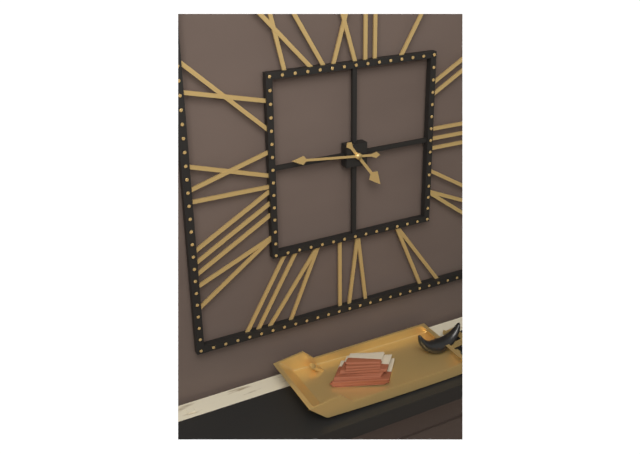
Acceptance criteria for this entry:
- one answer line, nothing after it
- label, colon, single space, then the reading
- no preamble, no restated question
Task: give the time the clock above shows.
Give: 4:46
